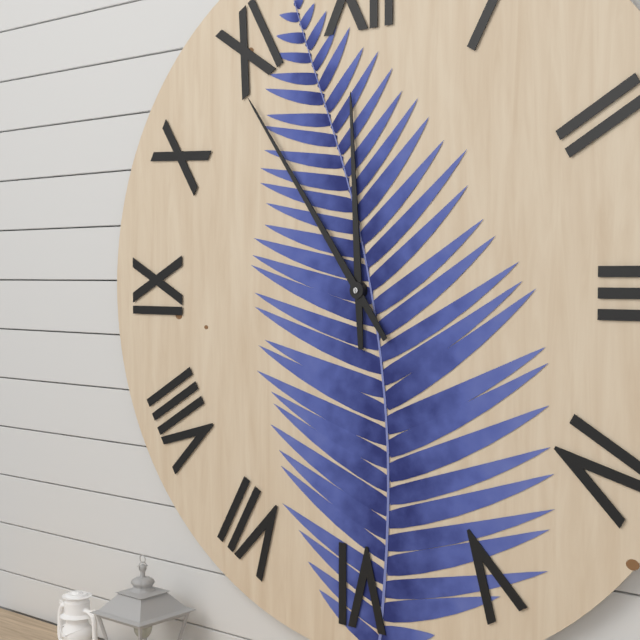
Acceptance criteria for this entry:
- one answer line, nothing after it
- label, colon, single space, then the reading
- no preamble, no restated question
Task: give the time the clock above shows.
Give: 11:54
